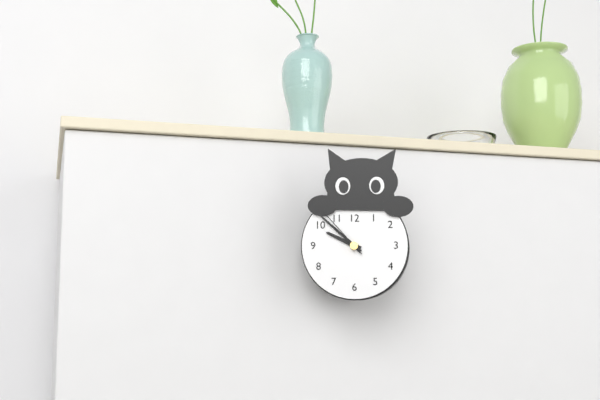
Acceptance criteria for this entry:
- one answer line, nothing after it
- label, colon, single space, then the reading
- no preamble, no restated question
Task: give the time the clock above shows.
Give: 9:52:53
